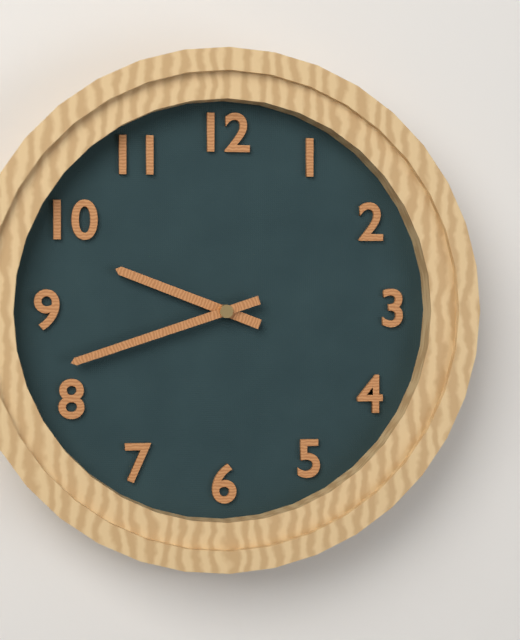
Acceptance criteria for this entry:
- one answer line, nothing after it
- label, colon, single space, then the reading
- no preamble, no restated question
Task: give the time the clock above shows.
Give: 9:42
